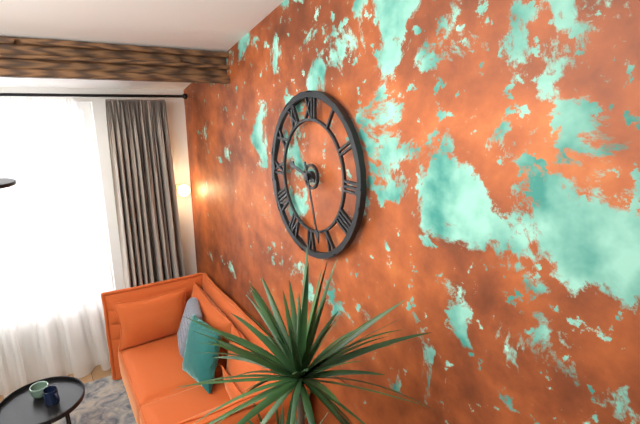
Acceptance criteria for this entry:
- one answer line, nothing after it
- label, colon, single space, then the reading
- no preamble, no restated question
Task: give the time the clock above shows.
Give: 9:27
